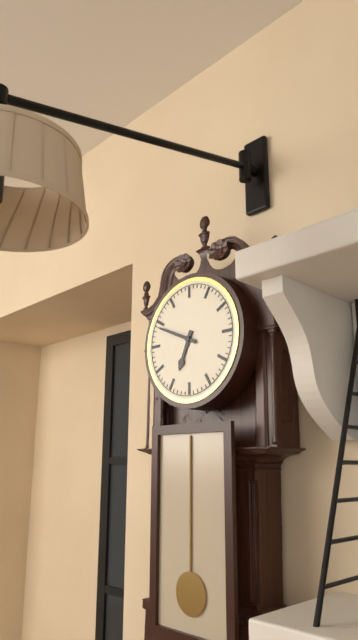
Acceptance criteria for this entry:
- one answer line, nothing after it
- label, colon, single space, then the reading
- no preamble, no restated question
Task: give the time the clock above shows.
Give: 6:49
